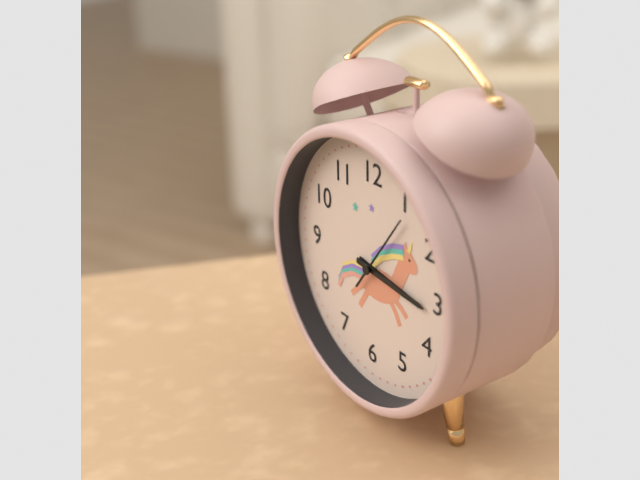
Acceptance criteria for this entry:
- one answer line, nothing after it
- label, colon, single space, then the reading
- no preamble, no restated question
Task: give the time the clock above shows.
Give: 3:16:06
